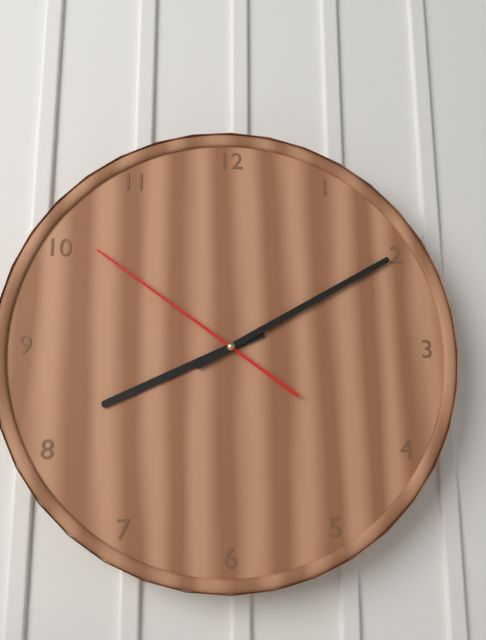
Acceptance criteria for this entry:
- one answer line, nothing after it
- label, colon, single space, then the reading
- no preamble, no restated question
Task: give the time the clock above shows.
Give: 8:10:51
